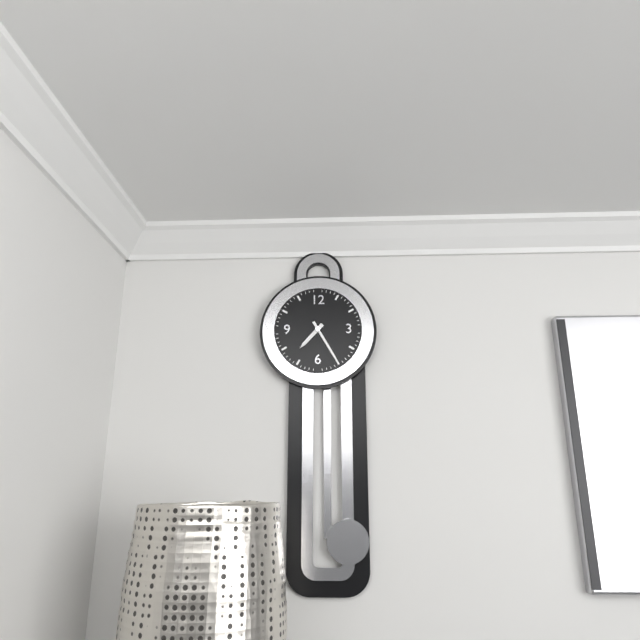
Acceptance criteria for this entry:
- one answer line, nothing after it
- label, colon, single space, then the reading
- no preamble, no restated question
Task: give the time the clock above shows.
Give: 7:25
